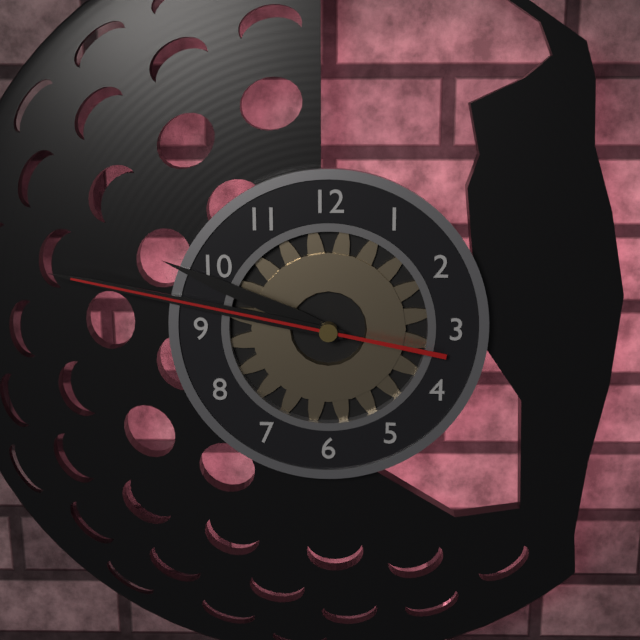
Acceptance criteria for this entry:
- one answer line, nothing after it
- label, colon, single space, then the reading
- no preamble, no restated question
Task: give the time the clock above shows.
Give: 9:47:47
